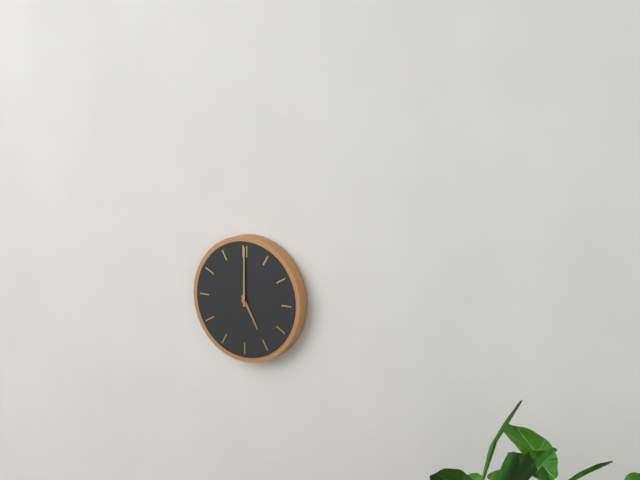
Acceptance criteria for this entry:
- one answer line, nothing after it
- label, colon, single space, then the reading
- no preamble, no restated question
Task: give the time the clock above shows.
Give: 5:00
